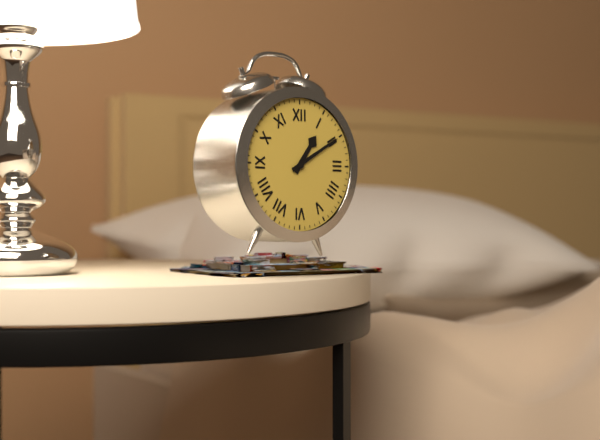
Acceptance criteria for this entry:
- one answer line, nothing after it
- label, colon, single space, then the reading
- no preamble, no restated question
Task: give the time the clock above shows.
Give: 1:10
